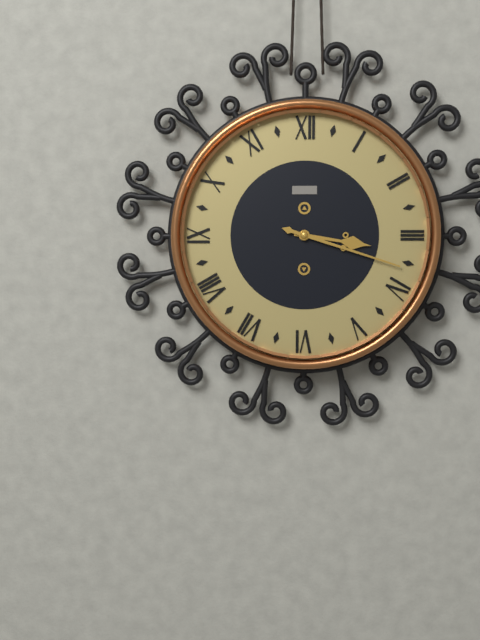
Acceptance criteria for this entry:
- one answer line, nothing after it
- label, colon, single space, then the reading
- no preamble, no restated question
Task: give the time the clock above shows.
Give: 3:18
